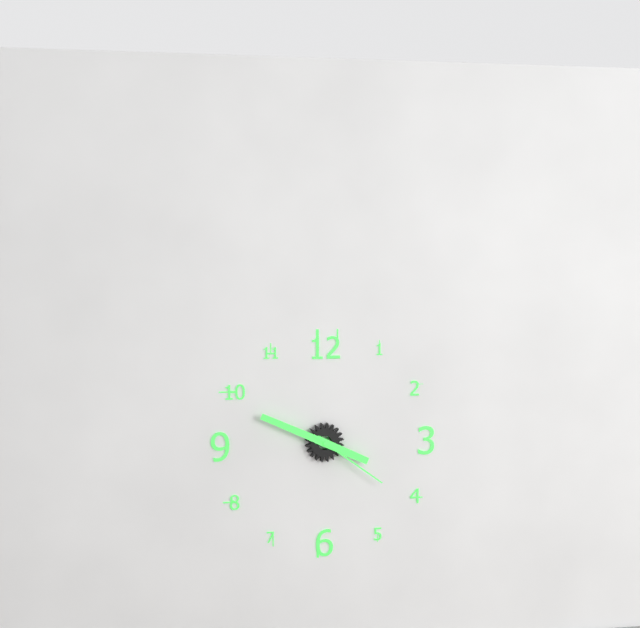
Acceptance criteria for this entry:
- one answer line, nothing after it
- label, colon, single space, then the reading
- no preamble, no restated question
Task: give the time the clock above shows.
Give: 3:49:21
